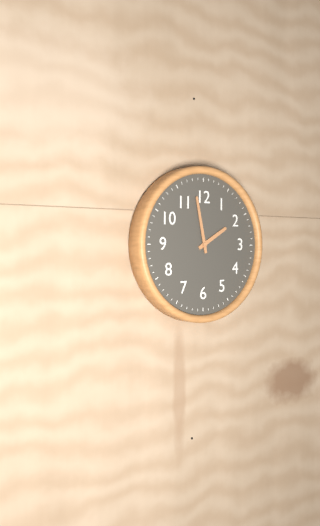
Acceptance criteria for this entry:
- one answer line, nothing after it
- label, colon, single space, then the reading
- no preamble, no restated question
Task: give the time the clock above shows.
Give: 1:58
